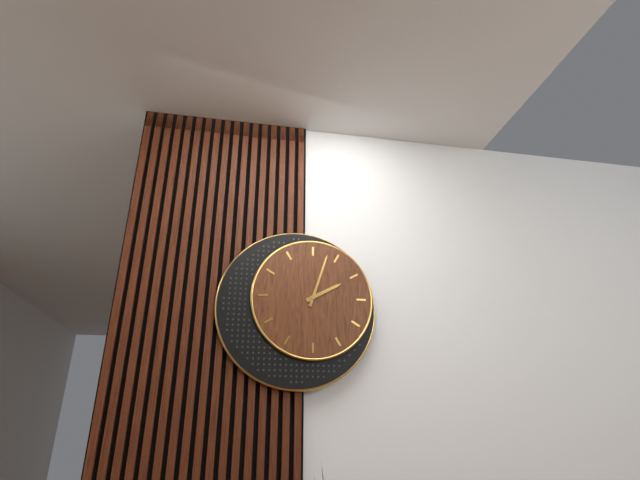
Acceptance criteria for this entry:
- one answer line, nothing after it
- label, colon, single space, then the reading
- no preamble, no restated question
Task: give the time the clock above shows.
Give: 2:03
